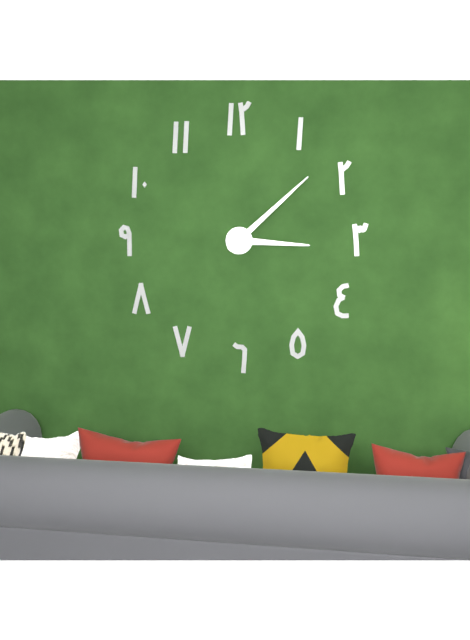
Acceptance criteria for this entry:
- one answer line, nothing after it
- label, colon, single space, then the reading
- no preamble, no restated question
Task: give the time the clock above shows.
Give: 3:08
